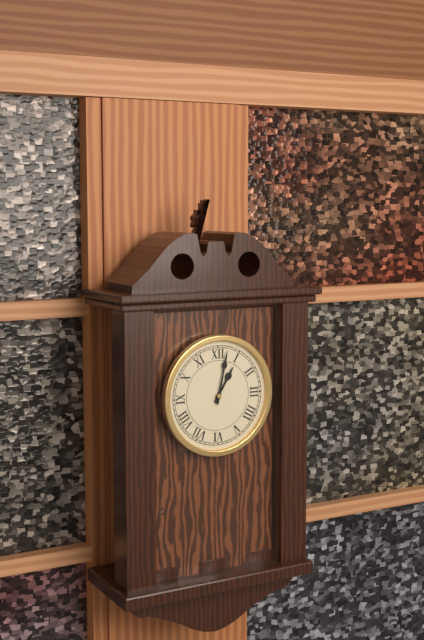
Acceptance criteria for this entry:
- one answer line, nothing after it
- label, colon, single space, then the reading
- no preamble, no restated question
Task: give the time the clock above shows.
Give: 1:02
